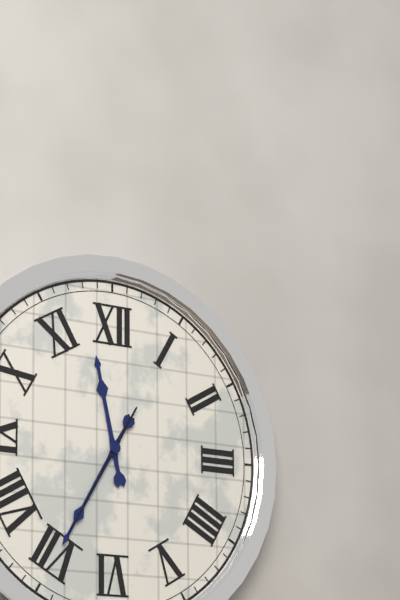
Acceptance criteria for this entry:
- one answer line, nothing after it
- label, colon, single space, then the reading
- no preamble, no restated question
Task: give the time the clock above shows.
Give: 11:35:35
